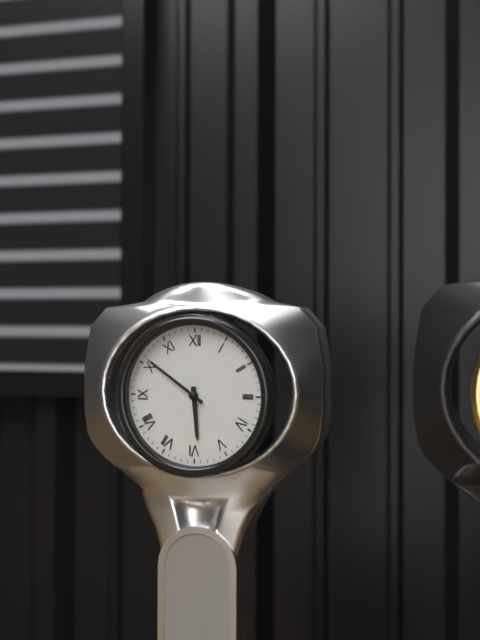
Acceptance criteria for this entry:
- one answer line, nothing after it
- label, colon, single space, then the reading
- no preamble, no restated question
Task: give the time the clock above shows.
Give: 5:51
